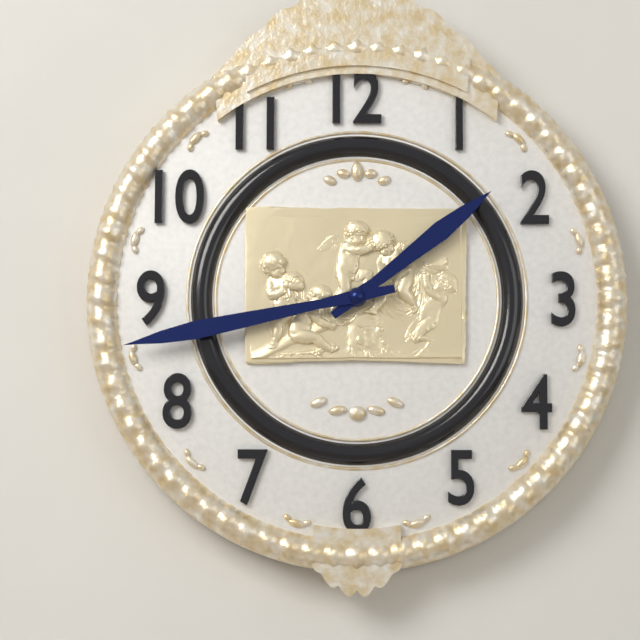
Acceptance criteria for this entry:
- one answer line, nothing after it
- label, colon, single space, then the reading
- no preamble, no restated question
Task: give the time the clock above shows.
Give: 1:43
